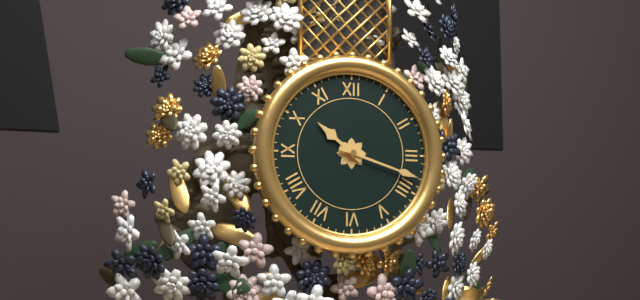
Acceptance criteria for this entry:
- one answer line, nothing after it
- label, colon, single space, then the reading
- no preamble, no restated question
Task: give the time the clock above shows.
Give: 10:18
